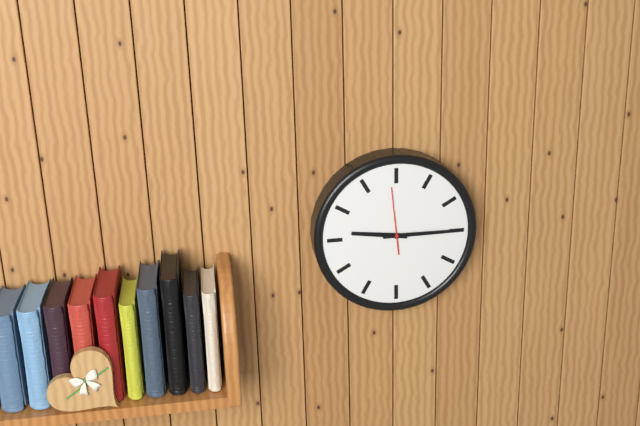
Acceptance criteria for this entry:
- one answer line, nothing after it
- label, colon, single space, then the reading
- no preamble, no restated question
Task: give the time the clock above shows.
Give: 9:15
